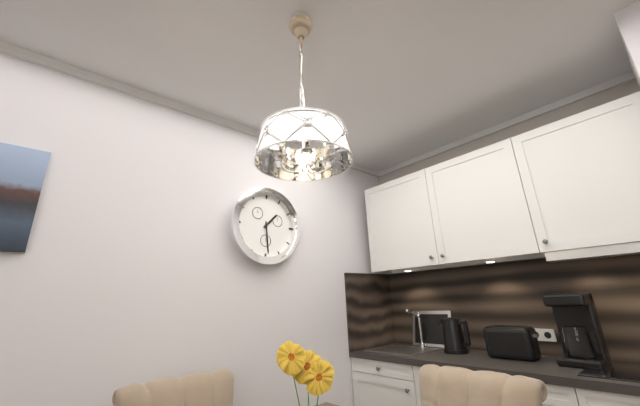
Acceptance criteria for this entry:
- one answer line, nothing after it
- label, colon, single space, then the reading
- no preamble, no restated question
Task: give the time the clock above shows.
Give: 1:29
